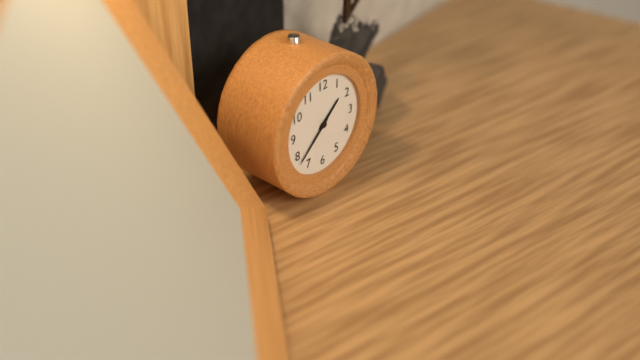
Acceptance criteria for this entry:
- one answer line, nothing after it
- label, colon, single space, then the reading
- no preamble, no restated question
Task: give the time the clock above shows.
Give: 1:38
